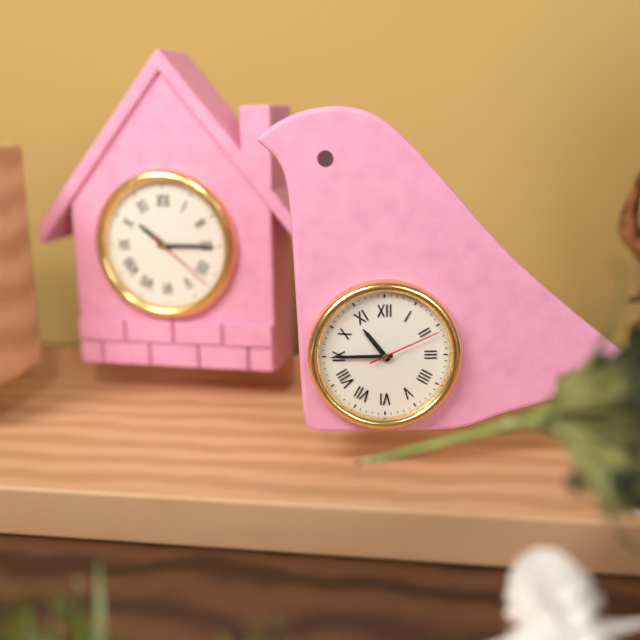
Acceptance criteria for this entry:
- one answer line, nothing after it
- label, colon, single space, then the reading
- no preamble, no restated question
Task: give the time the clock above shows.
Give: 10:45:11
